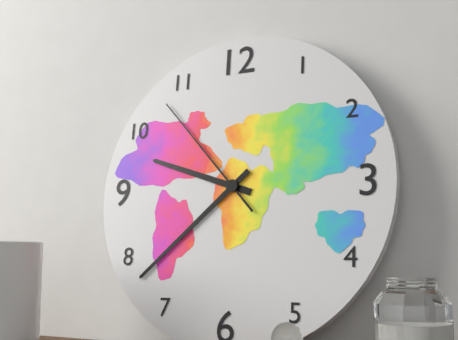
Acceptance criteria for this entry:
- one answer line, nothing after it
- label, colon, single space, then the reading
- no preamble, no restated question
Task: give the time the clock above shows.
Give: 9:38:53
